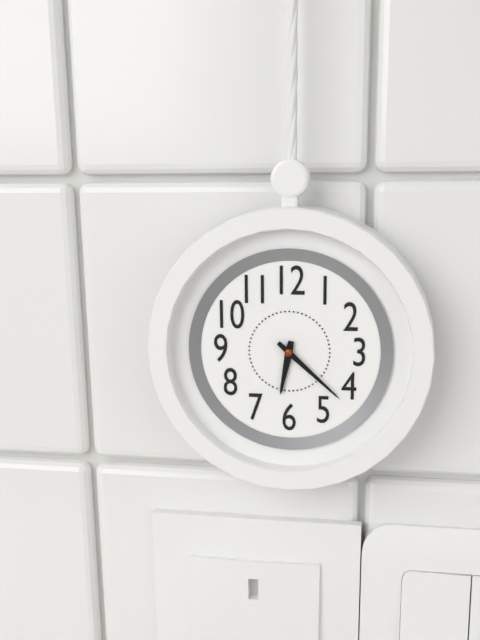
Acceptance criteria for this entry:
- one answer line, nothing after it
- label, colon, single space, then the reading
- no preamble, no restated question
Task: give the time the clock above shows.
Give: 6:22
